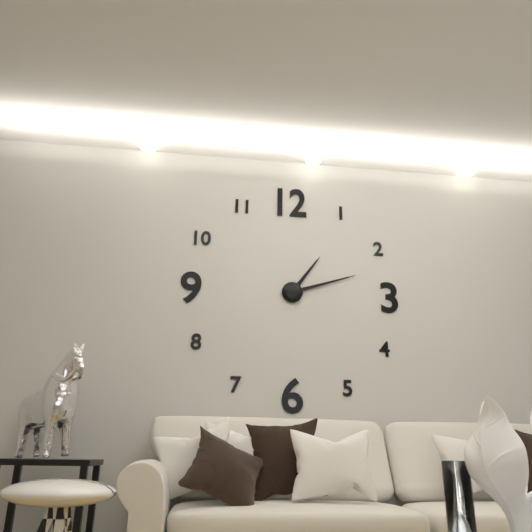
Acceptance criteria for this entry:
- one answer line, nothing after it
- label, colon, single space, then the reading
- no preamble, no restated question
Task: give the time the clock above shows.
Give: 1:12
